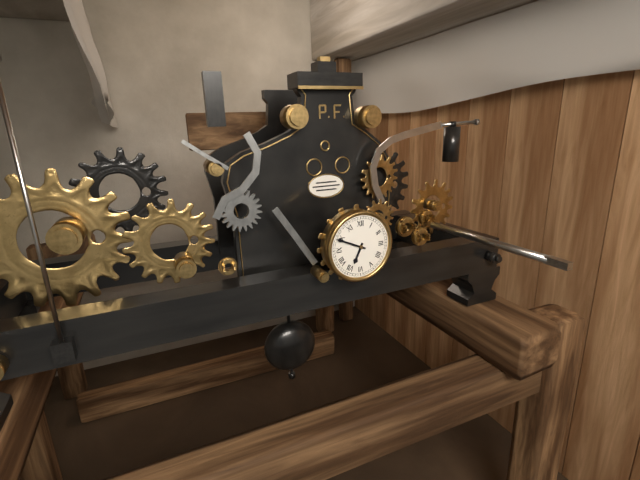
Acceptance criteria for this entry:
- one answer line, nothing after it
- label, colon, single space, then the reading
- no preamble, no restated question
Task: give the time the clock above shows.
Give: 6:49
